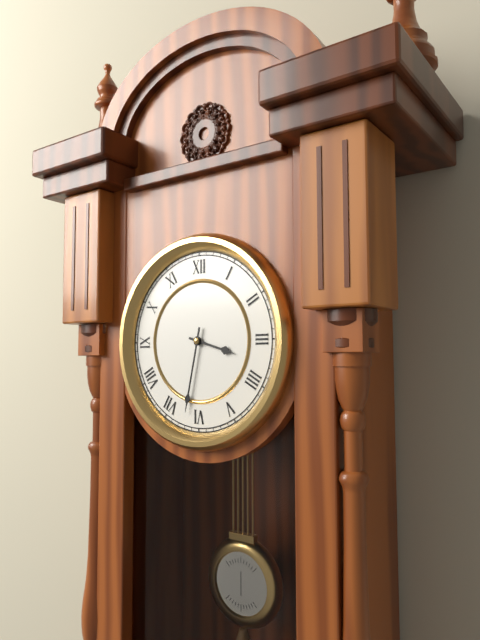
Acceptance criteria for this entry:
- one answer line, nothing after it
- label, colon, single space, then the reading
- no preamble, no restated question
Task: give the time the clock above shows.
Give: 3:32
